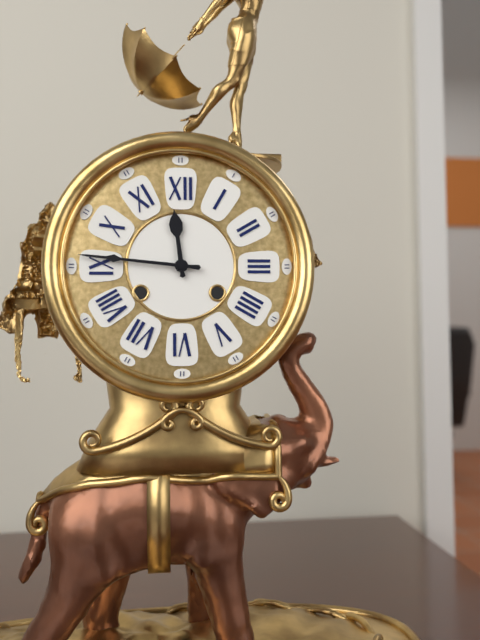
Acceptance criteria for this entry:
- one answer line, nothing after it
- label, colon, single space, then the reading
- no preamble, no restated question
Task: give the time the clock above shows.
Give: 11:46
